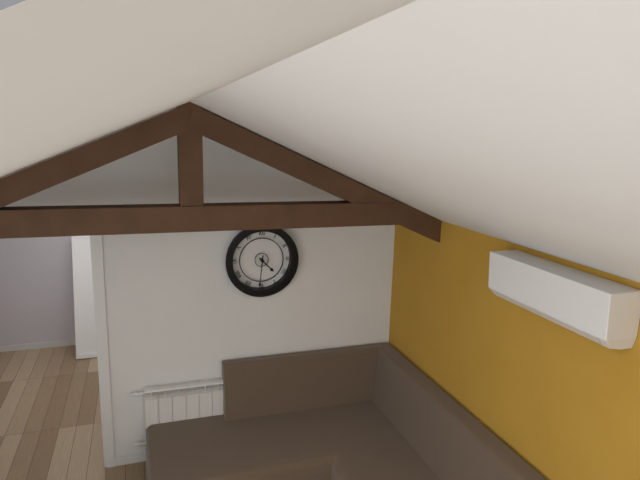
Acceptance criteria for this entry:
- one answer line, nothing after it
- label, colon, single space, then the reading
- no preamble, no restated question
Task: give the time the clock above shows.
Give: 4:31
